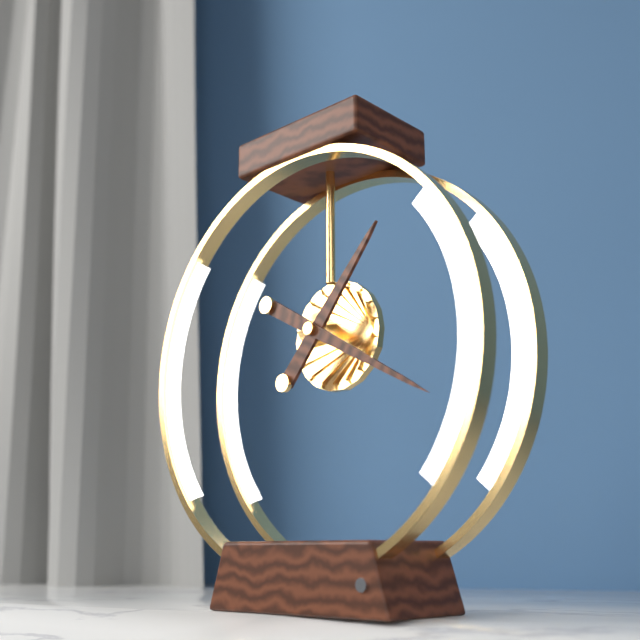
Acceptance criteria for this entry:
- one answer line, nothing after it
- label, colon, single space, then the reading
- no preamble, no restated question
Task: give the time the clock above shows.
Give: 1:20
